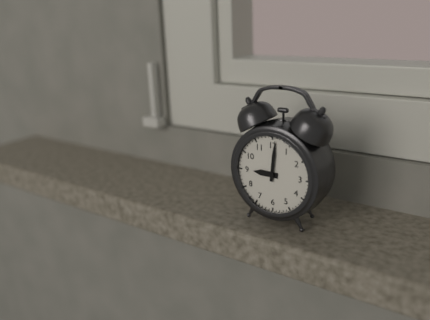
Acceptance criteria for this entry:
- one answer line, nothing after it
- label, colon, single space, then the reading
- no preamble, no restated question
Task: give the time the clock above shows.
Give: 9:01
